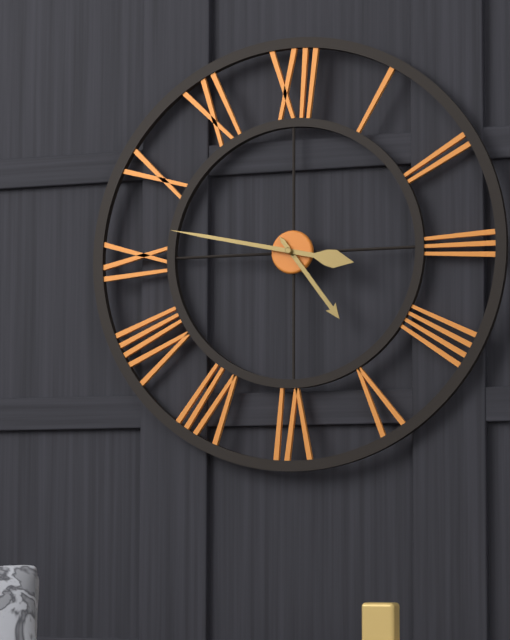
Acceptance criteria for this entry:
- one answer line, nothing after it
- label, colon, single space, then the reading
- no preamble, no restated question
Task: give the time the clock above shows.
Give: 4:47
